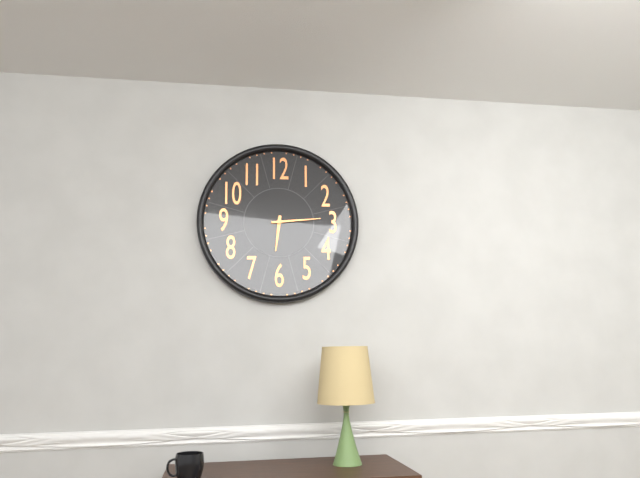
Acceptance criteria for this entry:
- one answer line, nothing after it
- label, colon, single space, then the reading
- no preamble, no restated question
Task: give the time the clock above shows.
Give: 6:14
